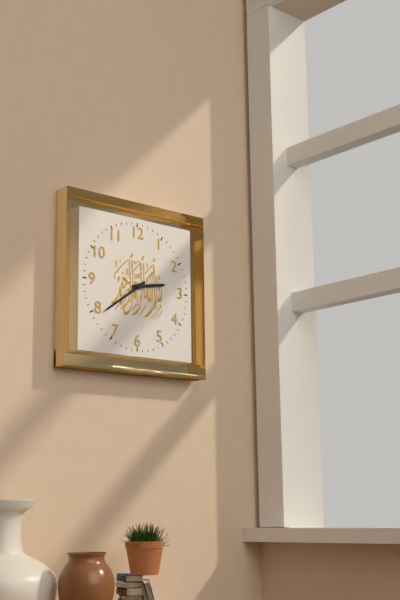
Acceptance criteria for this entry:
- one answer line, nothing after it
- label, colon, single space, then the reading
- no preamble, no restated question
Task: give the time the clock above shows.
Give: 2:39
